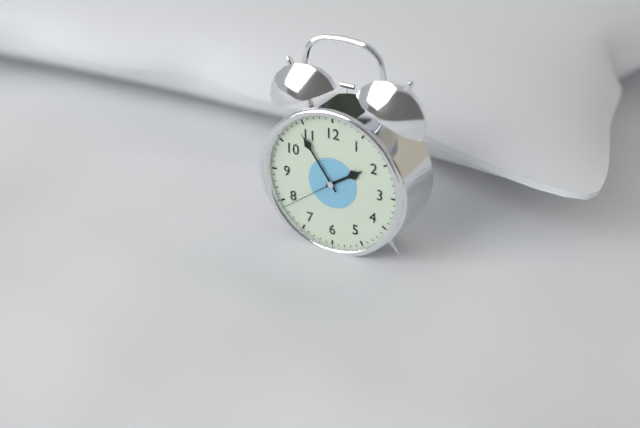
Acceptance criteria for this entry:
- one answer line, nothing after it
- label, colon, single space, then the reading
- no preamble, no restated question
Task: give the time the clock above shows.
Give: 1:54:39
